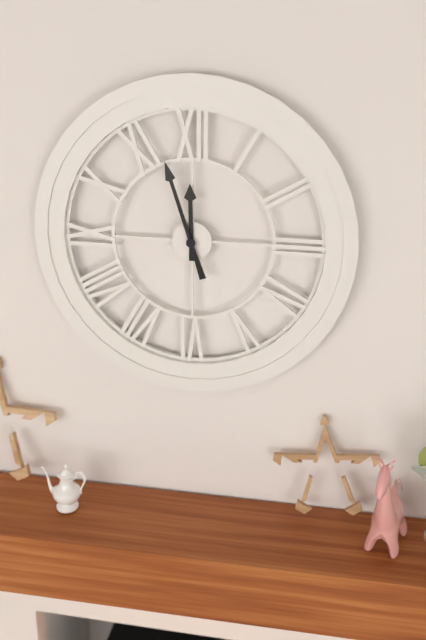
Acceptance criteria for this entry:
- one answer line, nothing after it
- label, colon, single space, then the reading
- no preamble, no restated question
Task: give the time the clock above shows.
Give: 11:57
